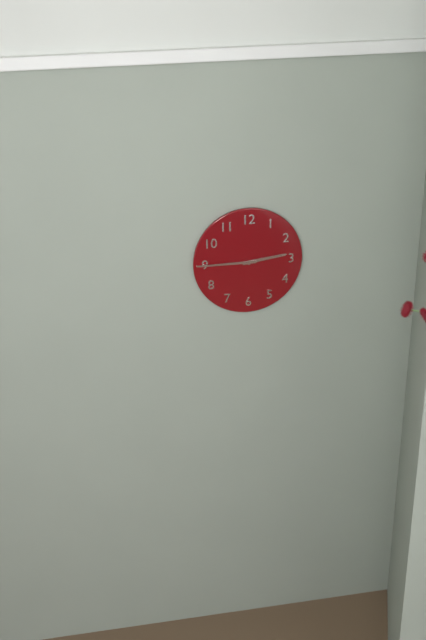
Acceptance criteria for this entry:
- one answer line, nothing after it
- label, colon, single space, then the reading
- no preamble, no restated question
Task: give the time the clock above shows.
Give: 2:45
